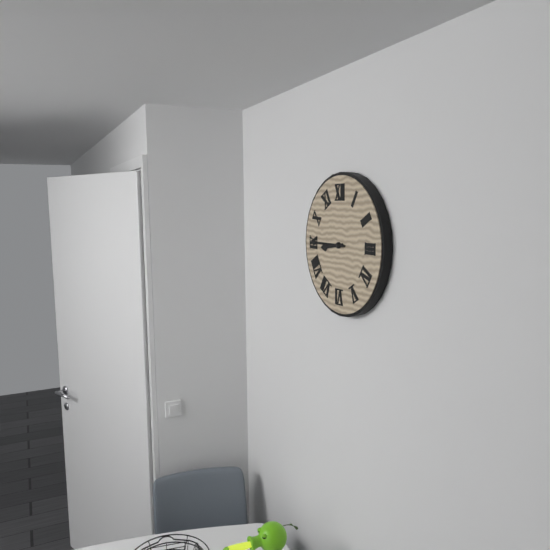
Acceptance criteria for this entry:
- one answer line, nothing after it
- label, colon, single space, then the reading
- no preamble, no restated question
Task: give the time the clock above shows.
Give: 8:45
